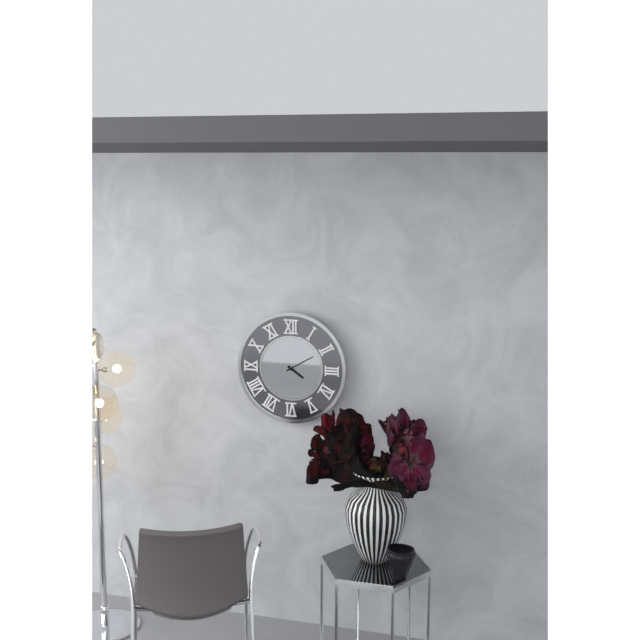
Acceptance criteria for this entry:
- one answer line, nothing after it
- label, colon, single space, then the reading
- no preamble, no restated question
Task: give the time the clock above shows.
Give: 4:10
